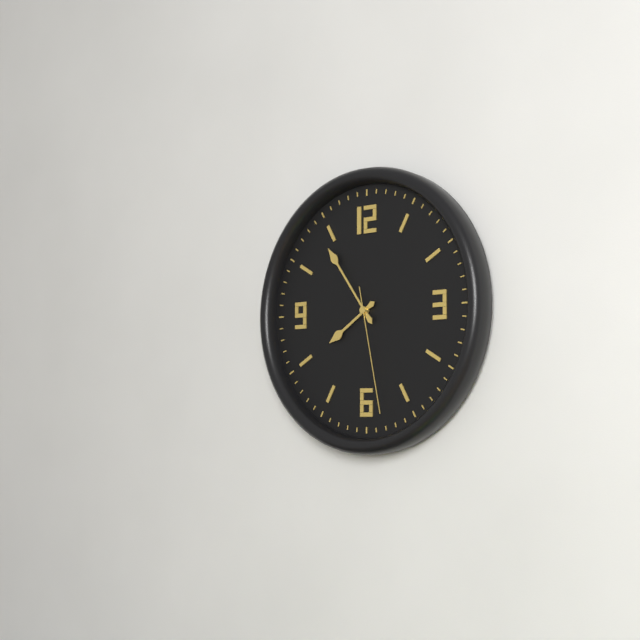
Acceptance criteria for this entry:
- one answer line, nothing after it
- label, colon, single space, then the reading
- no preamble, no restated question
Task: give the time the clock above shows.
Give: 7:54:28
